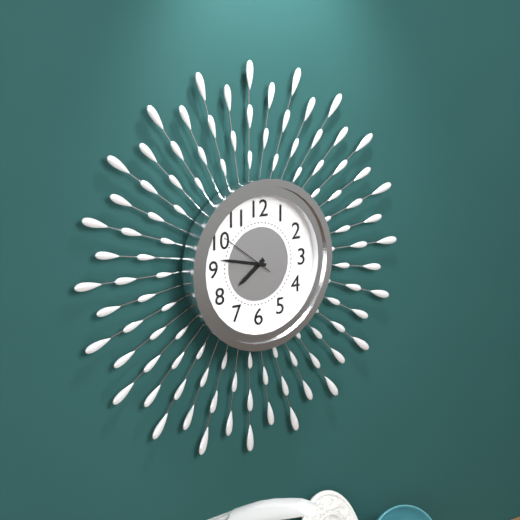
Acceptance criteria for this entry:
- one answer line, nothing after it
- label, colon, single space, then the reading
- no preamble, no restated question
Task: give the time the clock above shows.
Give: 7:47:51
